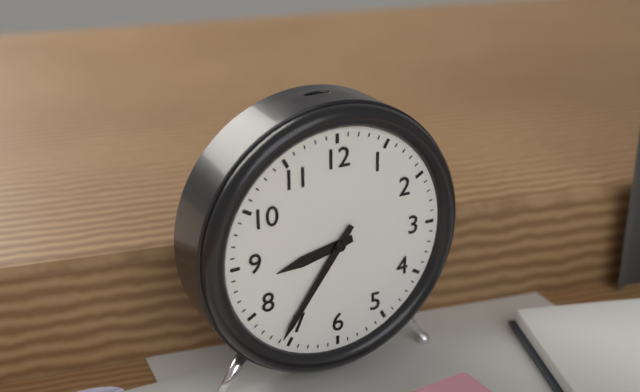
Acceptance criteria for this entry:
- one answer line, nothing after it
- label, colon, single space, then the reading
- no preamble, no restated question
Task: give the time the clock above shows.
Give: 8:36
